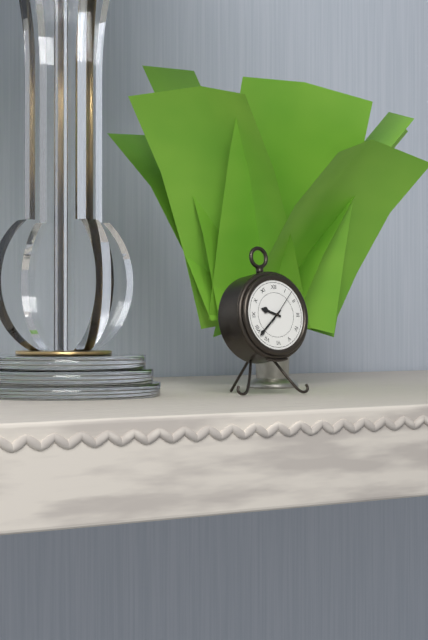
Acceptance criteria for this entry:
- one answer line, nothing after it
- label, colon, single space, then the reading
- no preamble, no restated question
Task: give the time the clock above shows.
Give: 9:38
